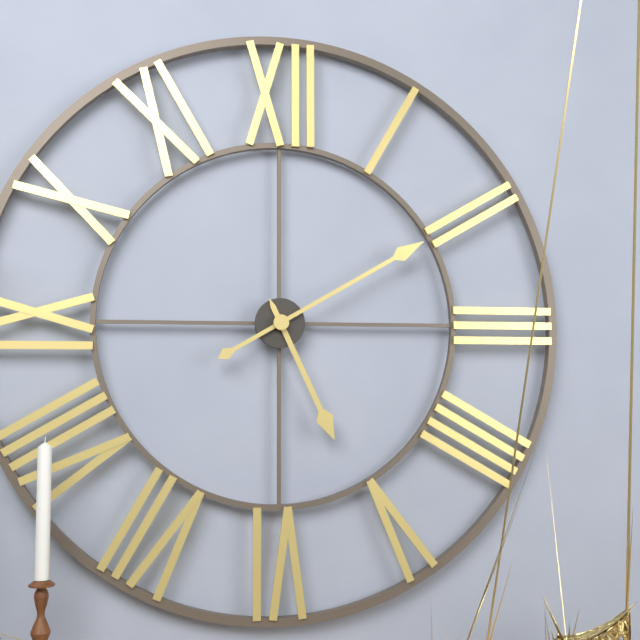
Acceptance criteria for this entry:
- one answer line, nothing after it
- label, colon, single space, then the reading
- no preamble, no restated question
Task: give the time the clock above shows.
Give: 5:10
